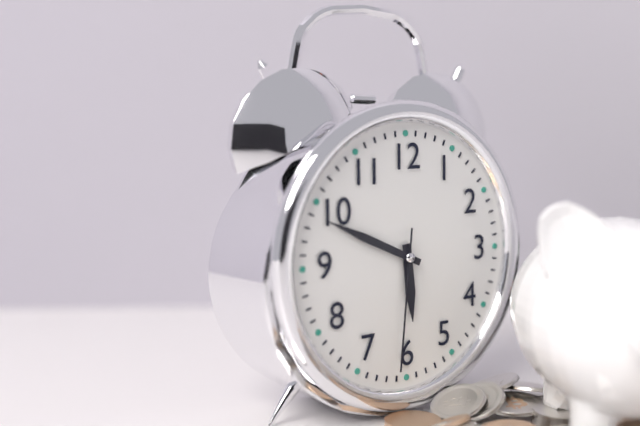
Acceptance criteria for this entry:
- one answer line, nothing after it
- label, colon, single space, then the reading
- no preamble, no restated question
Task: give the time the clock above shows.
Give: 5:49:31
